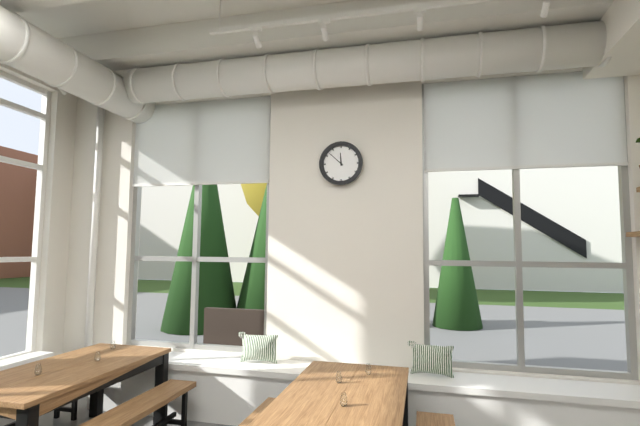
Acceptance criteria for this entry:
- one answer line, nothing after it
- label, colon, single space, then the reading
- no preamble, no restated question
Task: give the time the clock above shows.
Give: 11:52
